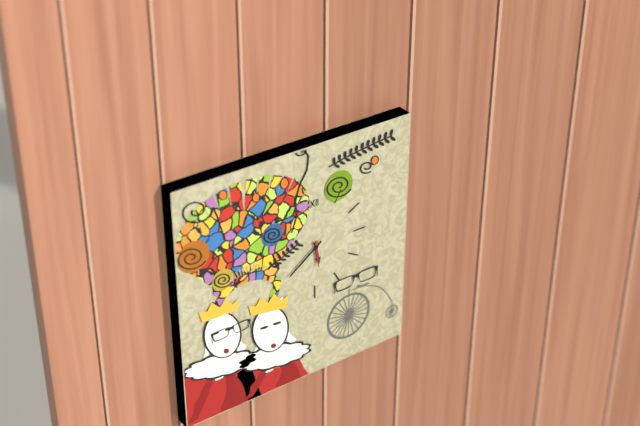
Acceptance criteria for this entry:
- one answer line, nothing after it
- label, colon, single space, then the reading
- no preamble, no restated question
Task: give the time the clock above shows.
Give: 5:39
